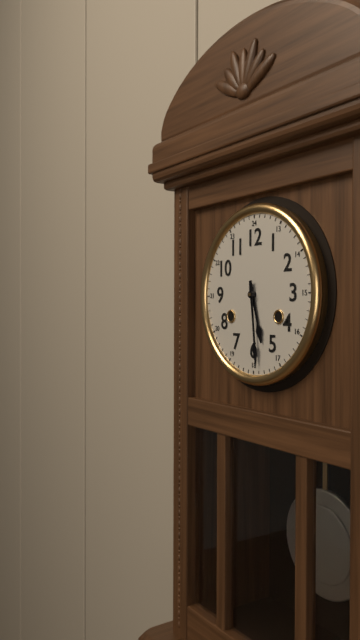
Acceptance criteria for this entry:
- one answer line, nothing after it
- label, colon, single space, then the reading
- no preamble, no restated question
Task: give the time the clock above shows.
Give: 5:29
